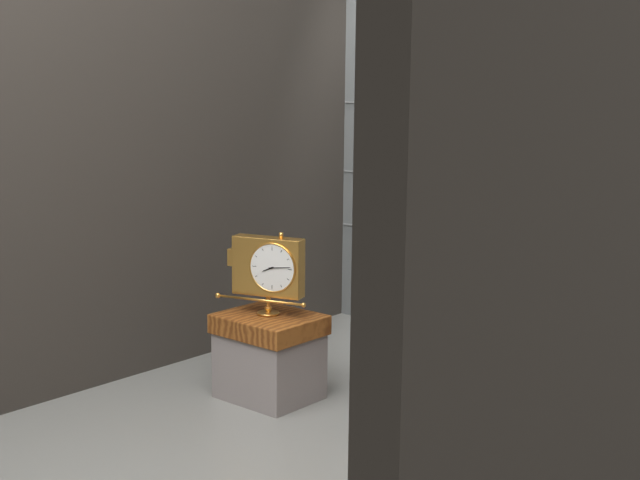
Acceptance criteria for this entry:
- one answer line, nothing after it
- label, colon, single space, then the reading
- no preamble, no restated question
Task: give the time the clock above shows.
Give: 8:14
